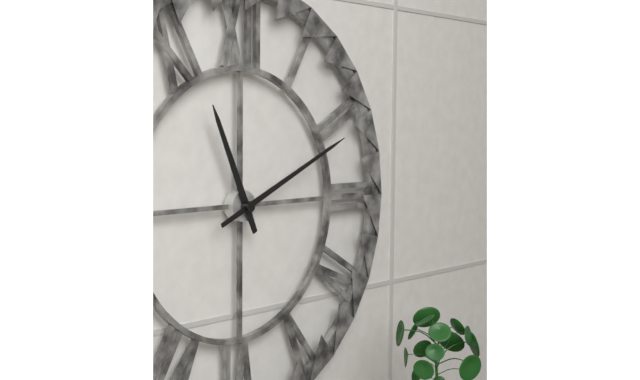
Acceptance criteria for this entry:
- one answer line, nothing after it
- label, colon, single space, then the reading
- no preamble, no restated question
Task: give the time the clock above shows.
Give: 11:11
